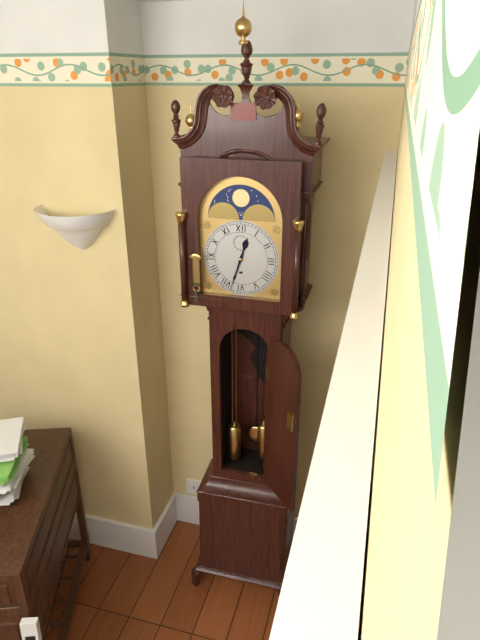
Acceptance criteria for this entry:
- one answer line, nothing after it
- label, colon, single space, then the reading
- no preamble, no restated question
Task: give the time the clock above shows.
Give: 12:33
